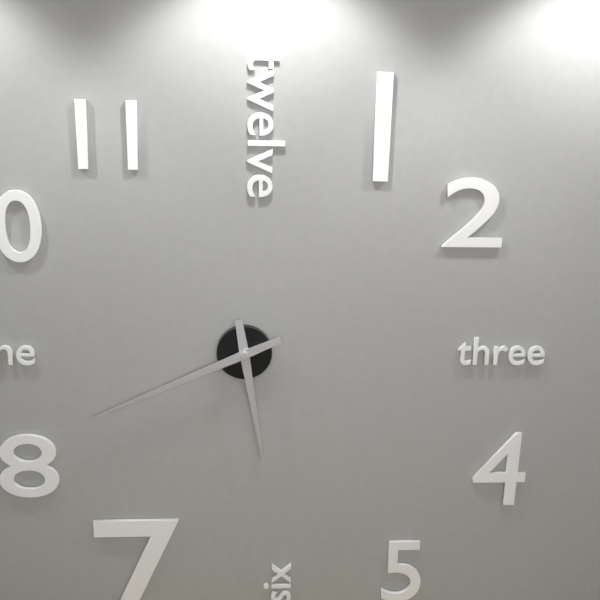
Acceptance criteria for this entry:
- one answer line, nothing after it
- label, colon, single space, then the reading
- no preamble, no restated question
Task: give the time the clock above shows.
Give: 5:41
